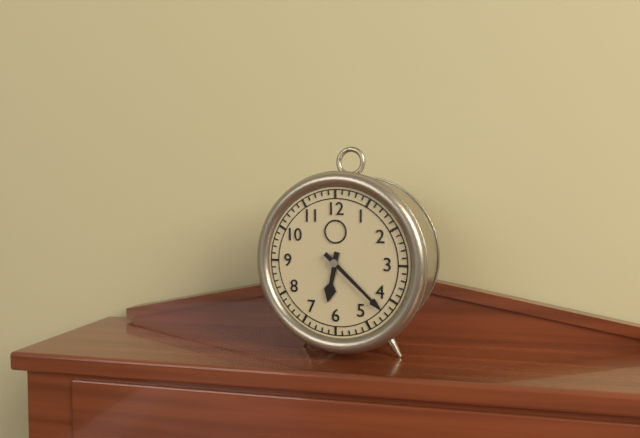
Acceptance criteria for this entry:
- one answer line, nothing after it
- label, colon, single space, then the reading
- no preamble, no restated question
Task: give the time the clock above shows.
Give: 6:22
